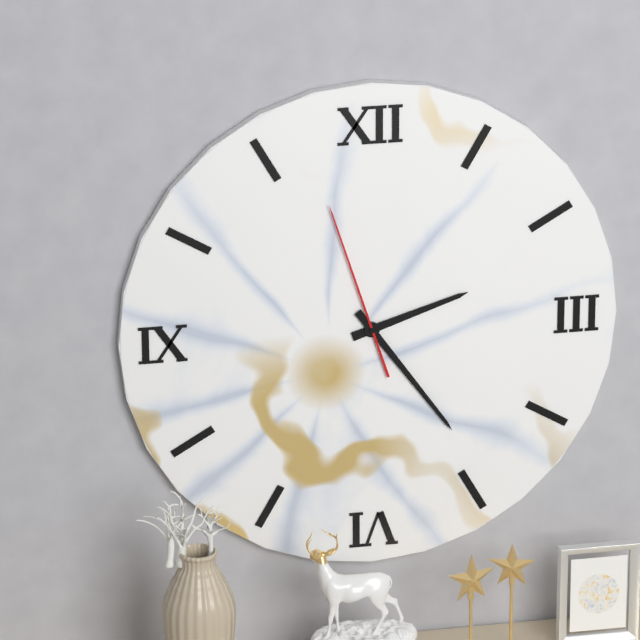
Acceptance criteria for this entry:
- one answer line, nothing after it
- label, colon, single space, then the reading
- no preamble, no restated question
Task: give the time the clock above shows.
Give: 2:24:57
